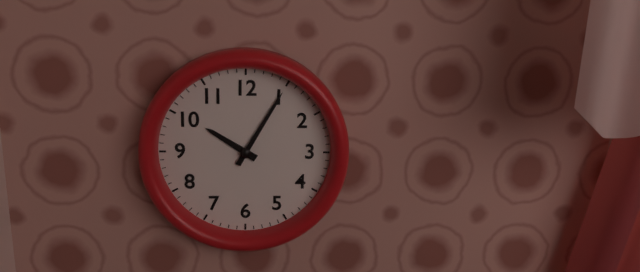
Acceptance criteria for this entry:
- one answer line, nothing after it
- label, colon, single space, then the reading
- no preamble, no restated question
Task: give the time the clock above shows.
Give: 10:05
